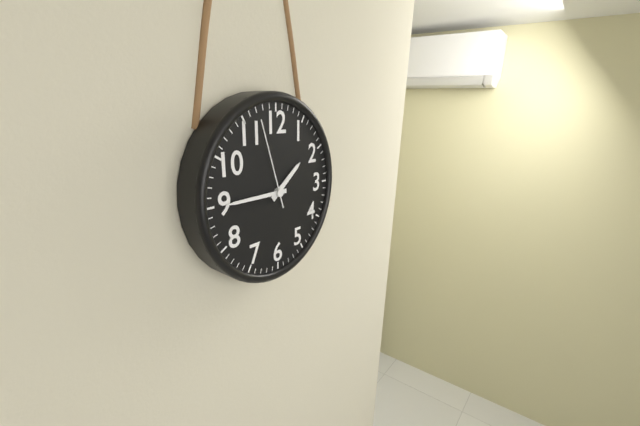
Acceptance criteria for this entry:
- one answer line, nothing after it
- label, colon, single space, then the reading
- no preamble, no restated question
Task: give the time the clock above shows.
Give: 1:45:57
